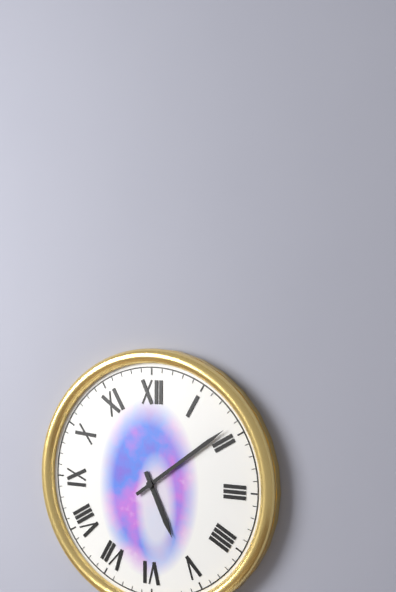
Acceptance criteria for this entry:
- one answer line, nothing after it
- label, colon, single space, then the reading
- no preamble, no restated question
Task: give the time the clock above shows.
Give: 5:09
